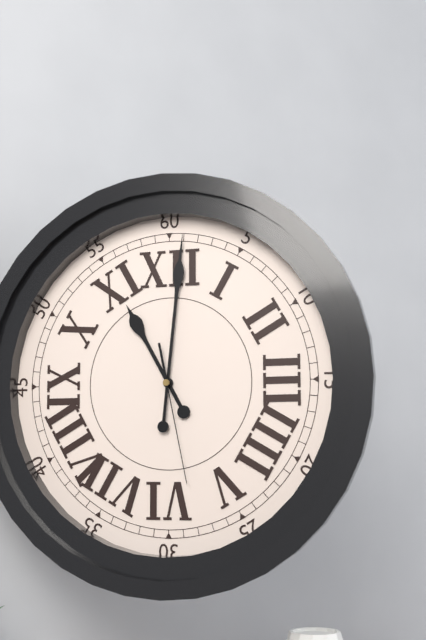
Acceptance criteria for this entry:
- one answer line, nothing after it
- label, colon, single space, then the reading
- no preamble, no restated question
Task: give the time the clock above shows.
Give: 11:01:28
